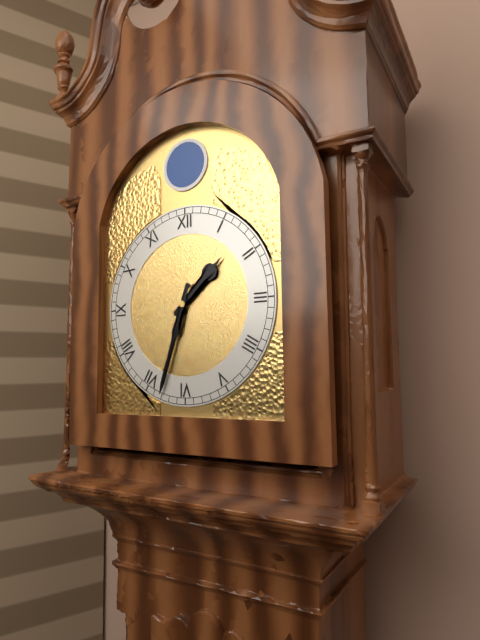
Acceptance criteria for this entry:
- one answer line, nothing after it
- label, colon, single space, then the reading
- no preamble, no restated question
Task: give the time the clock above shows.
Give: 1:33
